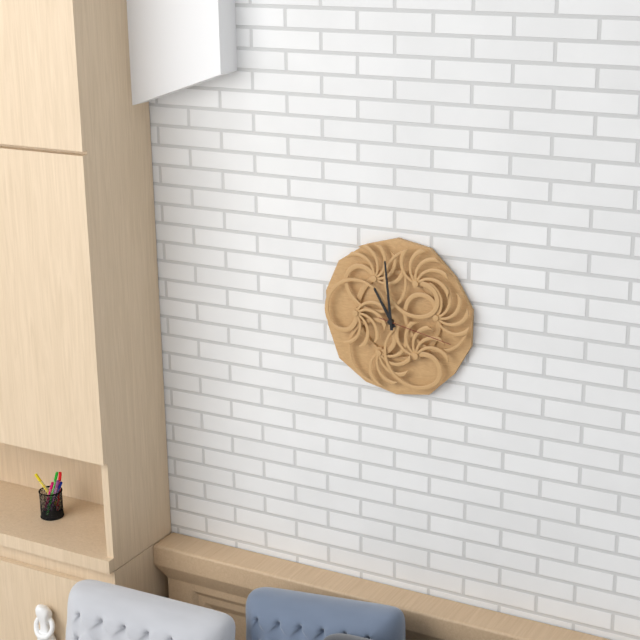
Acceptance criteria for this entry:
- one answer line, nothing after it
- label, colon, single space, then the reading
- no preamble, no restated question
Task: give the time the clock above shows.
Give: 10:59:17
